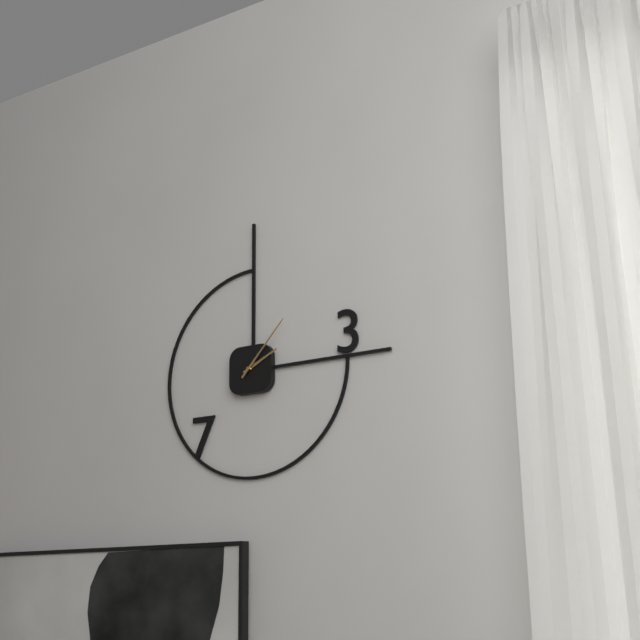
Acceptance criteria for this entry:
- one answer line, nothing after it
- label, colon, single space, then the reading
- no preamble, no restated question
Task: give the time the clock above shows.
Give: 2:07
